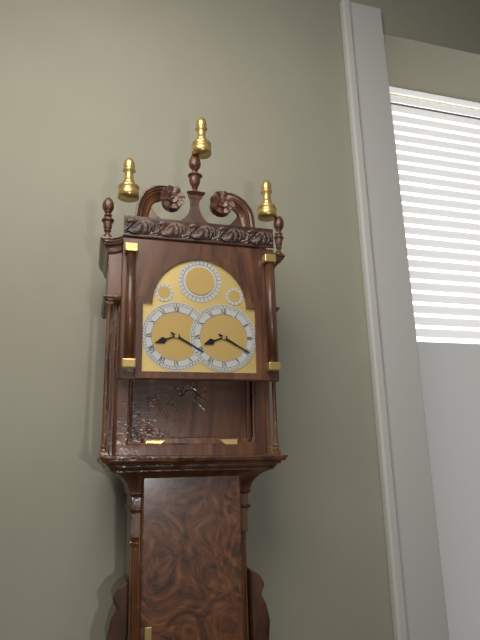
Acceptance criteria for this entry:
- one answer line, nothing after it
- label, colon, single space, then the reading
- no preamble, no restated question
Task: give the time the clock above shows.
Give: 8:20
